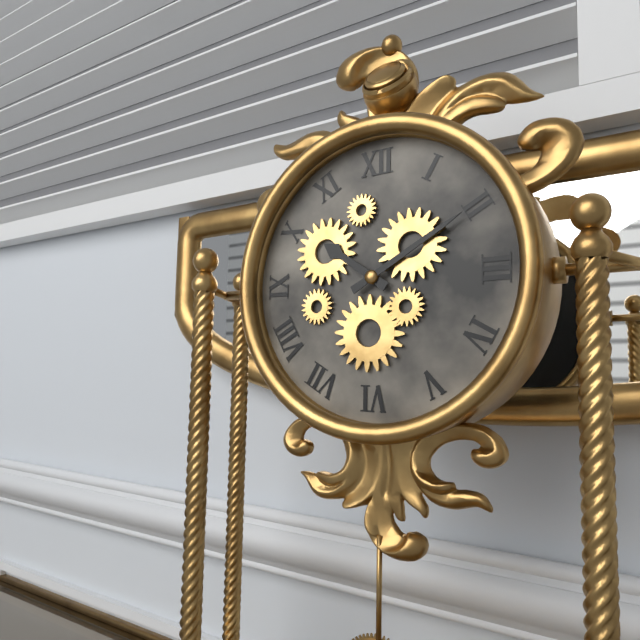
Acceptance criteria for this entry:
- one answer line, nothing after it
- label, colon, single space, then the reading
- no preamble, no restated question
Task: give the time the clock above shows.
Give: 10:10
